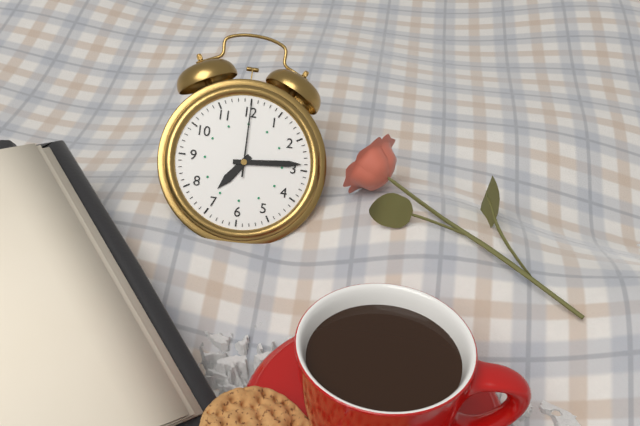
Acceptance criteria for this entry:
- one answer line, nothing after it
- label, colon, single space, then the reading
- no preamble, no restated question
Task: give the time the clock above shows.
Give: 7:14:00
